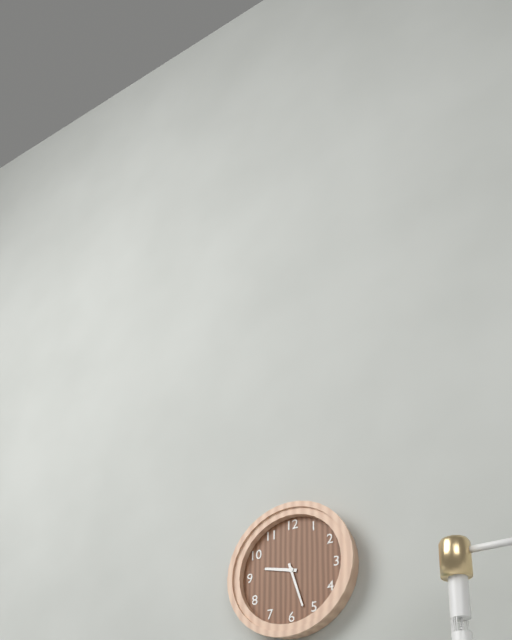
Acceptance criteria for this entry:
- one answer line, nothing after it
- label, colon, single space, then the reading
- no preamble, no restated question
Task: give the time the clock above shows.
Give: 9:27
